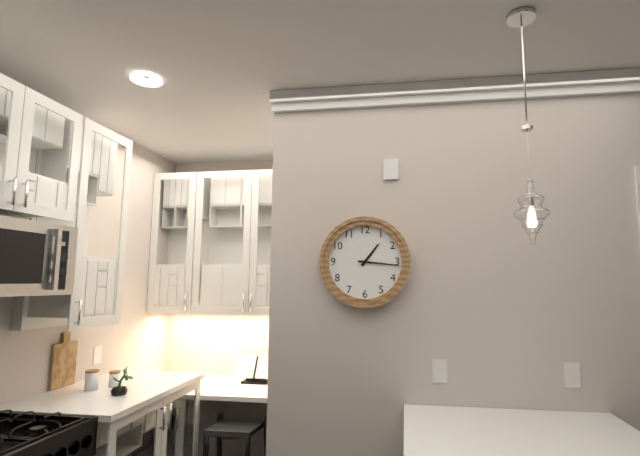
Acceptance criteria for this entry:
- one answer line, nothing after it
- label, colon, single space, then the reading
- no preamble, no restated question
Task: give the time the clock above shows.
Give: 1:16
